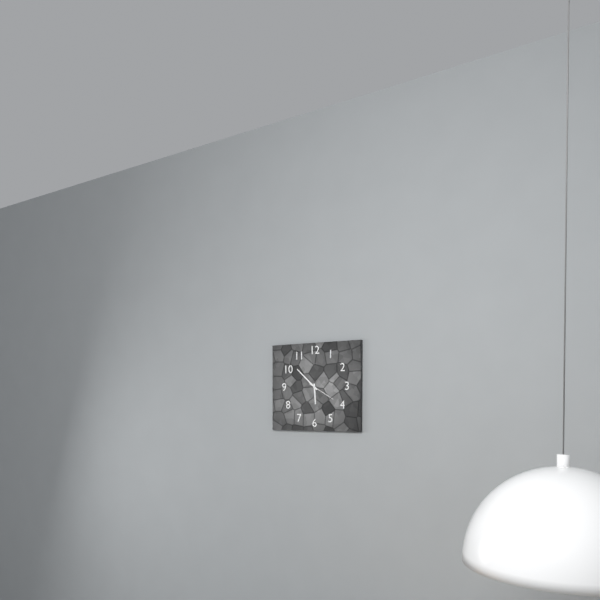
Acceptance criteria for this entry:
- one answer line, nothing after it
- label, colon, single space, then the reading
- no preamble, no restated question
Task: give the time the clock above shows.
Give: 5:52
